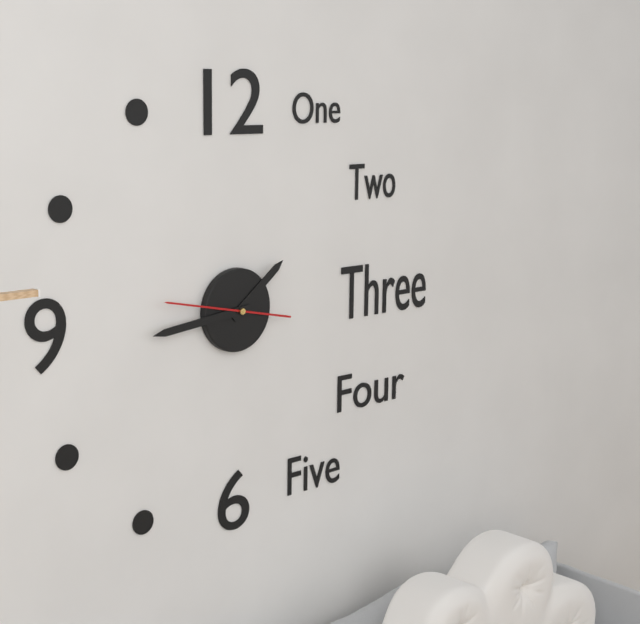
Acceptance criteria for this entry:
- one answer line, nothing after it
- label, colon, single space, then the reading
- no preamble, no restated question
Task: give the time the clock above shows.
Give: 1:44:47
